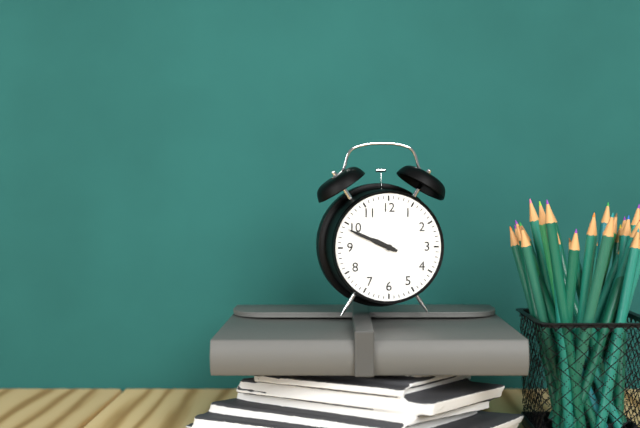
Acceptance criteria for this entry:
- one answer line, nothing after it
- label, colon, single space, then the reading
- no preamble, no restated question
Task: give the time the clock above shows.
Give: 9:49
